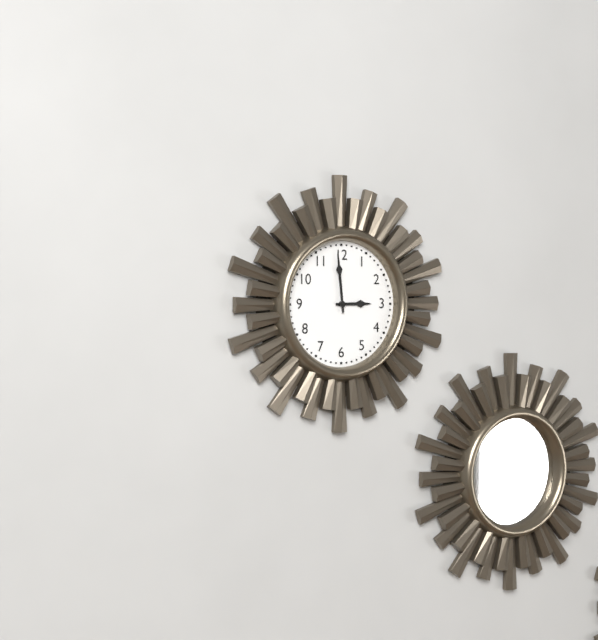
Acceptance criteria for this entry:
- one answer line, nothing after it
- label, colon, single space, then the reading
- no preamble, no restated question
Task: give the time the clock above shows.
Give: 2:59
